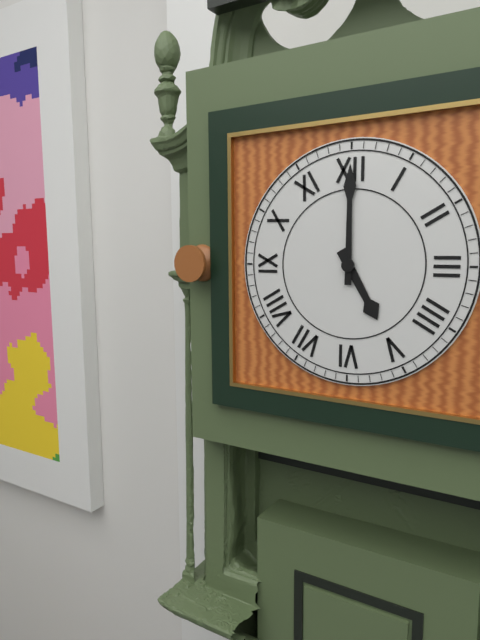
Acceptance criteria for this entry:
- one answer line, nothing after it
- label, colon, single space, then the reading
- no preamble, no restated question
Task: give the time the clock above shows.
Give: 5:00
